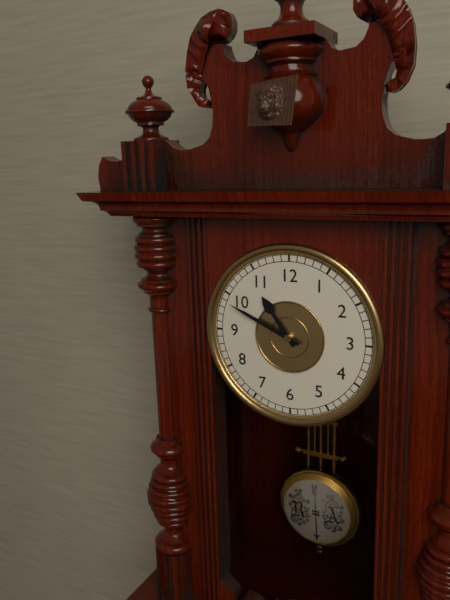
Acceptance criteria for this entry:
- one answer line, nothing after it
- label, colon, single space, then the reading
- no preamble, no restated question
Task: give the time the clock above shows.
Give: 10:49
